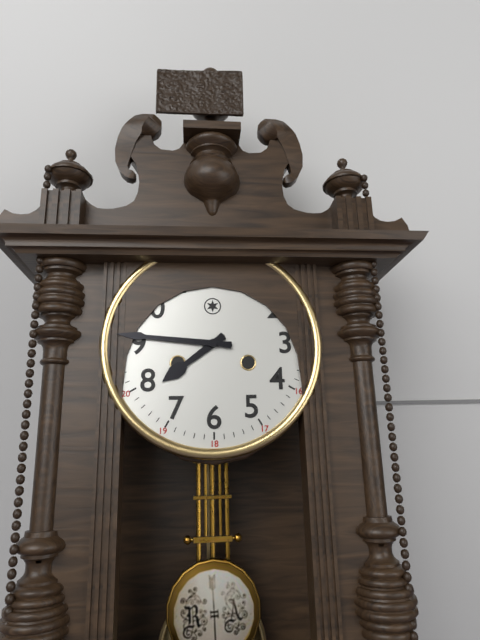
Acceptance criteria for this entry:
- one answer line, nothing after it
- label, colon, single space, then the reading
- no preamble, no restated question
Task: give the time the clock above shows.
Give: 7:46
